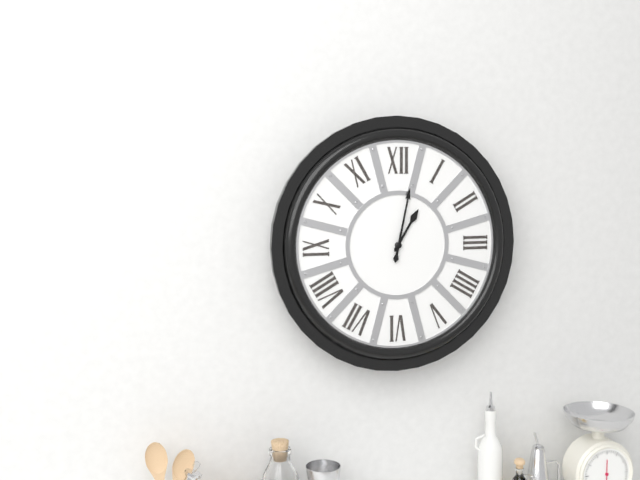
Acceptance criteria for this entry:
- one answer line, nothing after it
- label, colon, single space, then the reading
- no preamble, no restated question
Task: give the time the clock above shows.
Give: 1:02
